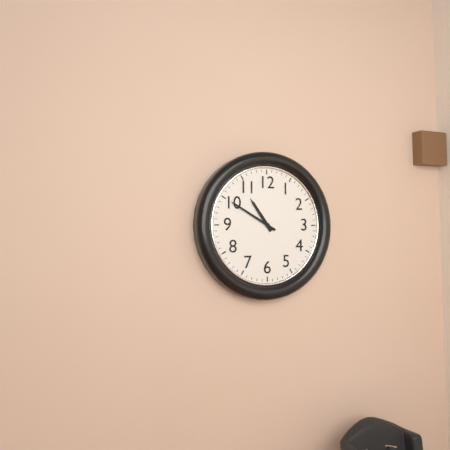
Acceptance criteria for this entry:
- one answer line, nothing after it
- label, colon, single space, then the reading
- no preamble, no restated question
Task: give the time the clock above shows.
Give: 10:50
